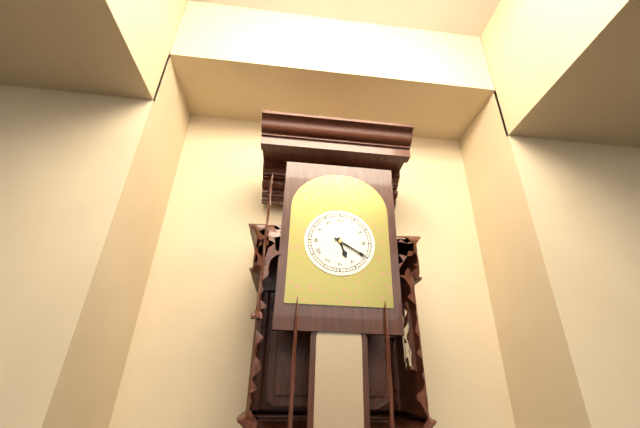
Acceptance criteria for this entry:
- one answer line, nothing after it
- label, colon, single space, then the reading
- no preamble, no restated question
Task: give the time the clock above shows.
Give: 5:20
